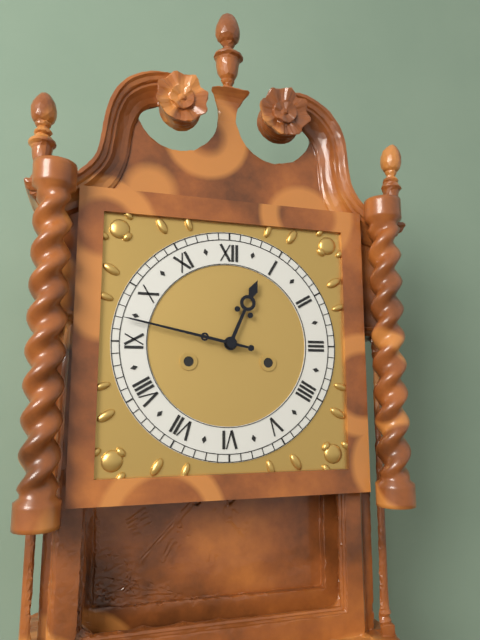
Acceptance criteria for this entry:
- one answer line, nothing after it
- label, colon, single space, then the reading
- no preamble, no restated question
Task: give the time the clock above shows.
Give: 12:47
